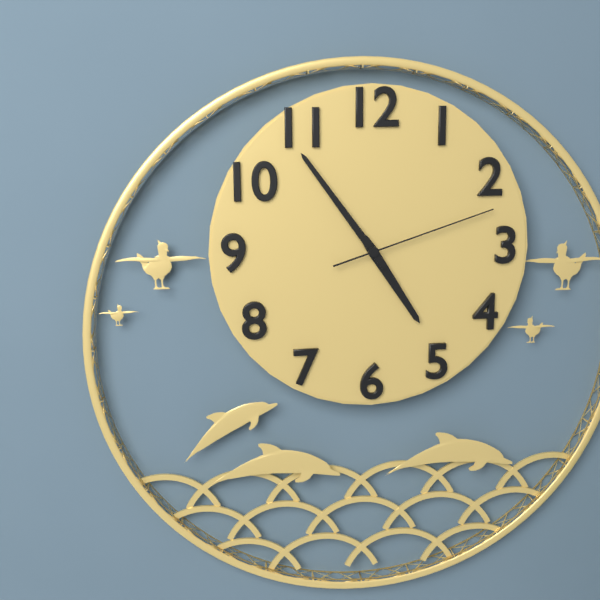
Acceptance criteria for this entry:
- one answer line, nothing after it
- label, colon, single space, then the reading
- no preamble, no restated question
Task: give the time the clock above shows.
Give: 4:54:12
